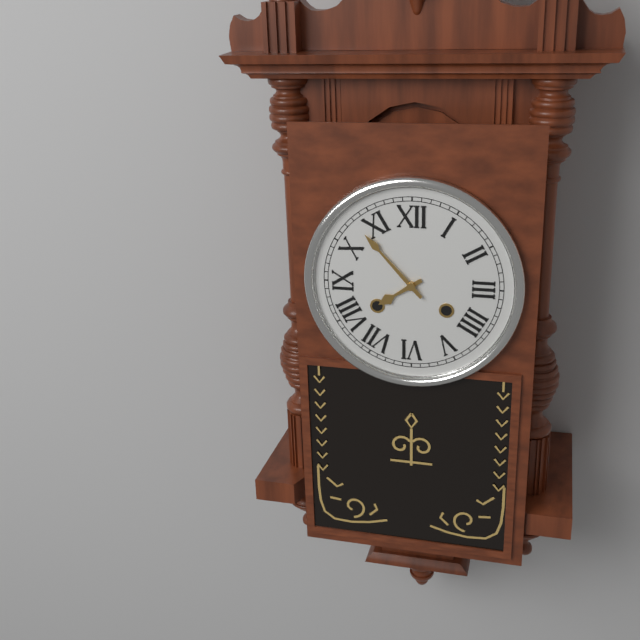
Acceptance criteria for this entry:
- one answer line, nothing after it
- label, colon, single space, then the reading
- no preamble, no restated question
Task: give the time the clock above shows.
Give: 7:53
